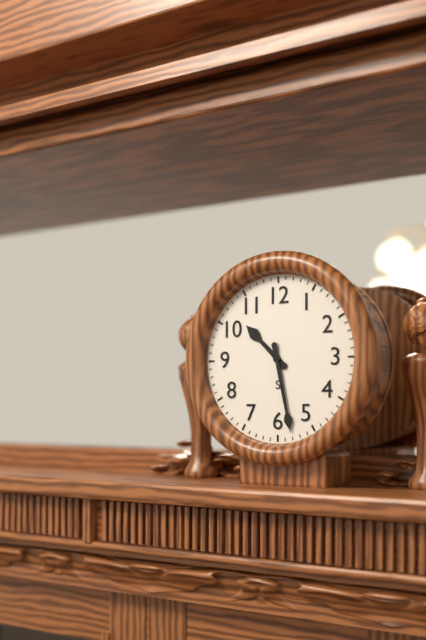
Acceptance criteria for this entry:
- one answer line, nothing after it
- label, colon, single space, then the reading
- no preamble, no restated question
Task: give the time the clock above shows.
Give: 10:28
